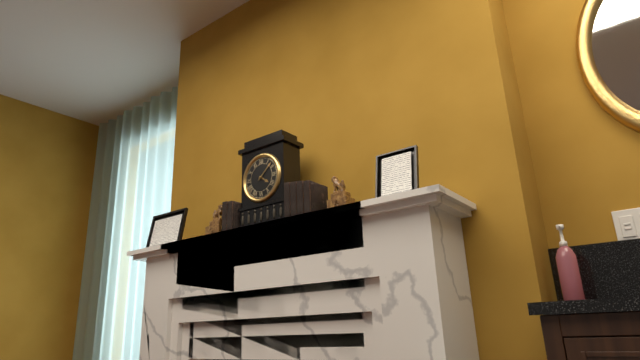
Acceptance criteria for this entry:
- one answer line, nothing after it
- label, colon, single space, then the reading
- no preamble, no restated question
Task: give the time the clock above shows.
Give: 4:08
